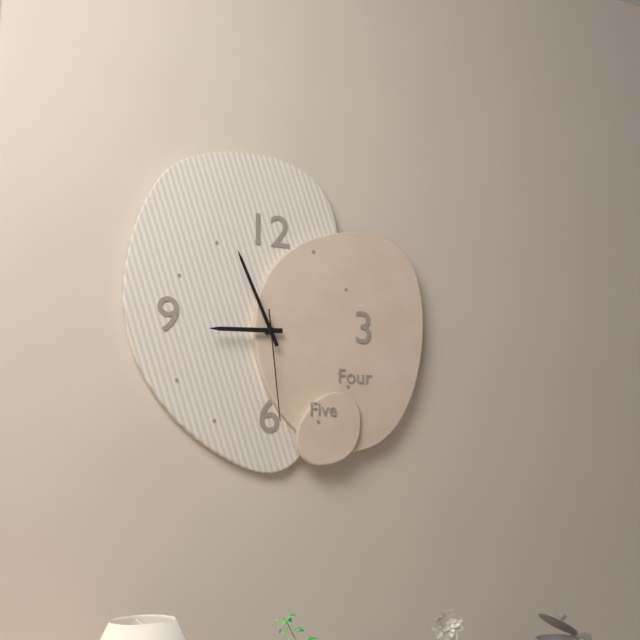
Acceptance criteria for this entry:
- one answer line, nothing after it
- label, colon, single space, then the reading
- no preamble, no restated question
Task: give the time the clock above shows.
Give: 8:56:29
